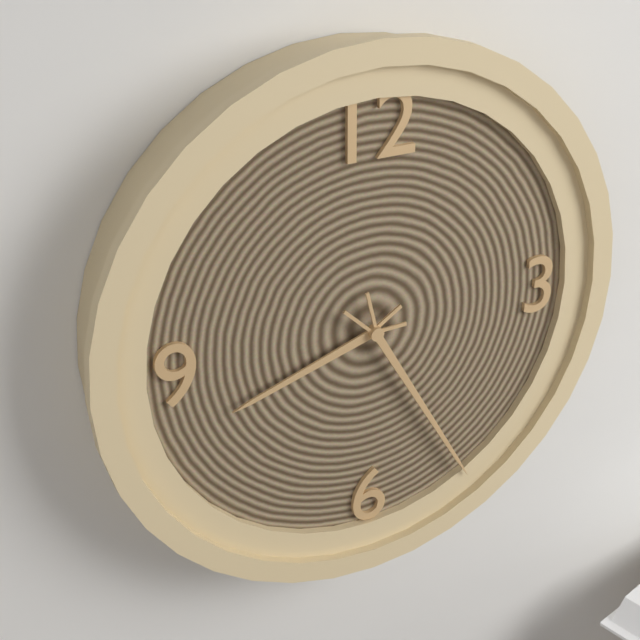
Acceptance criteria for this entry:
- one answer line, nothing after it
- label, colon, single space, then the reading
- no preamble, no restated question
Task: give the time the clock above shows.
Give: 8:25
